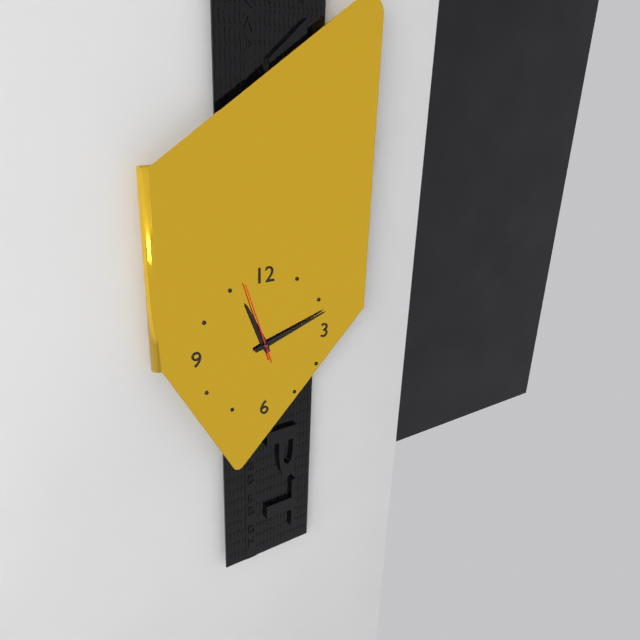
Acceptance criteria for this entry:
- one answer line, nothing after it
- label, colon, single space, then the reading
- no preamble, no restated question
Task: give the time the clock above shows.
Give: 11:12:57
